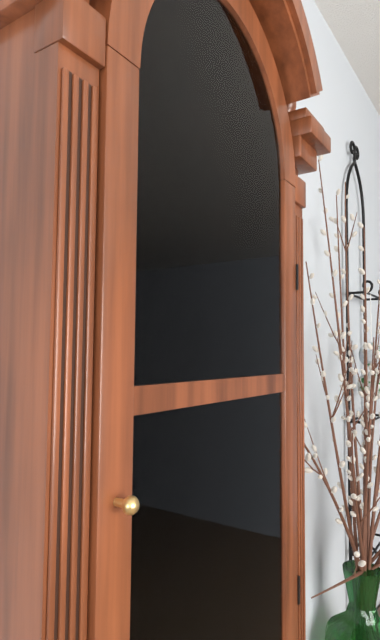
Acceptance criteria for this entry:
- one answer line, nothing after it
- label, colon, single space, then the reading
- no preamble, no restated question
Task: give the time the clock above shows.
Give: 10:13
